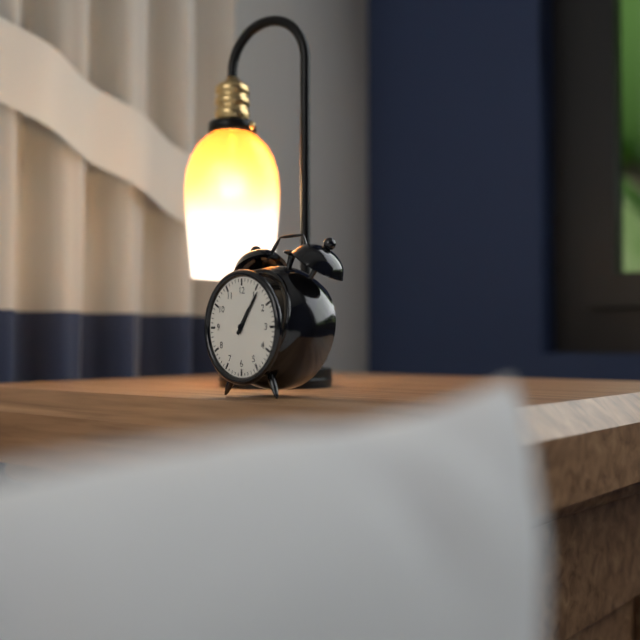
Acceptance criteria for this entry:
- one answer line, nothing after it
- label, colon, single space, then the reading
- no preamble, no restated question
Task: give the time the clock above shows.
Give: 1:06
